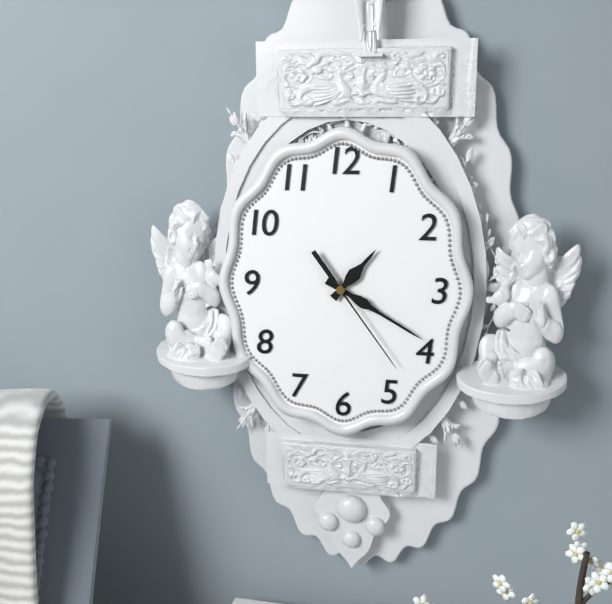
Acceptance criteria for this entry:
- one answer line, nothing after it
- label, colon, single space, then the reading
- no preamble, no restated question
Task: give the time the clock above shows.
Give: 1:20:24
